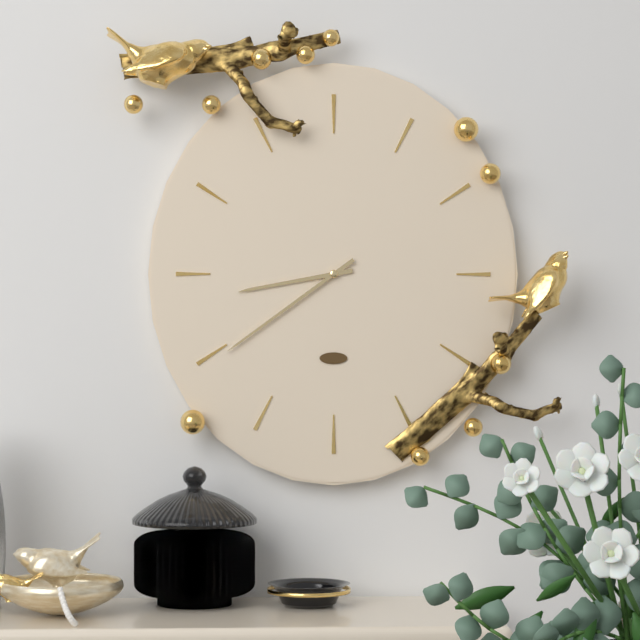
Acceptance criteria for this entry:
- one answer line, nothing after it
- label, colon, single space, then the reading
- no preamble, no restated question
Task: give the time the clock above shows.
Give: 8:39
